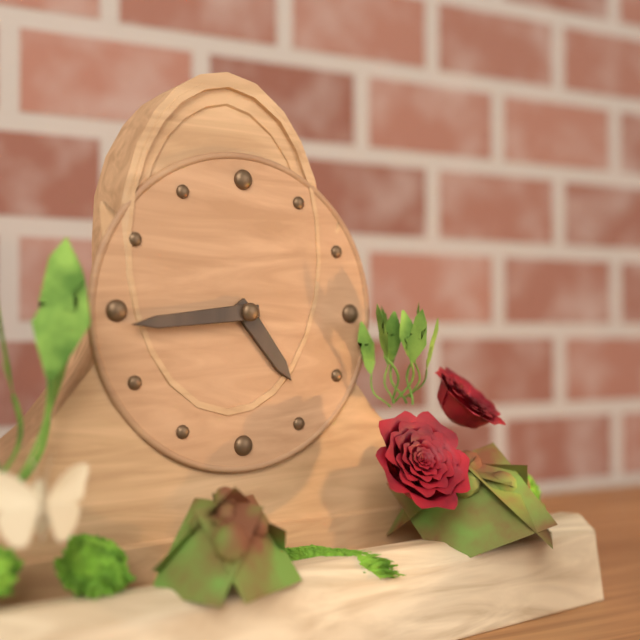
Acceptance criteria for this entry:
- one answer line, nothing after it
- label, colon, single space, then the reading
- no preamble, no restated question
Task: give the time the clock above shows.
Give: 4:44
